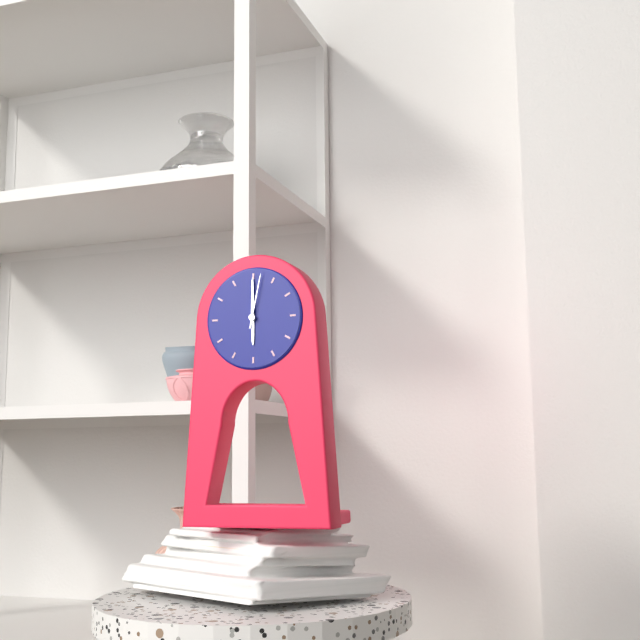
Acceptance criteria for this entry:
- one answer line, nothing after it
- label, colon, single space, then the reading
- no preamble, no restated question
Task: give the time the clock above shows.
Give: 6:00:02
